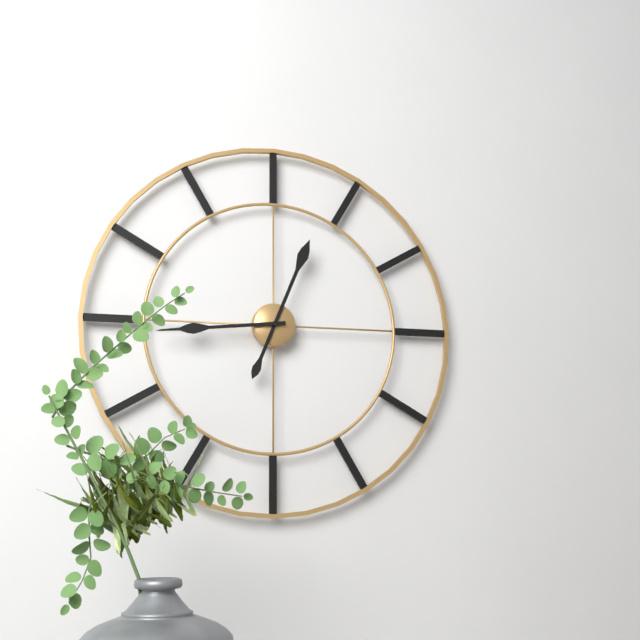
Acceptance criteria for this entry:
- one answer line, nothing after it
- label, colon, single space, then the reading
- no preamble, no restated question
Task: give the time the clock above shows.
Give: 12:44
